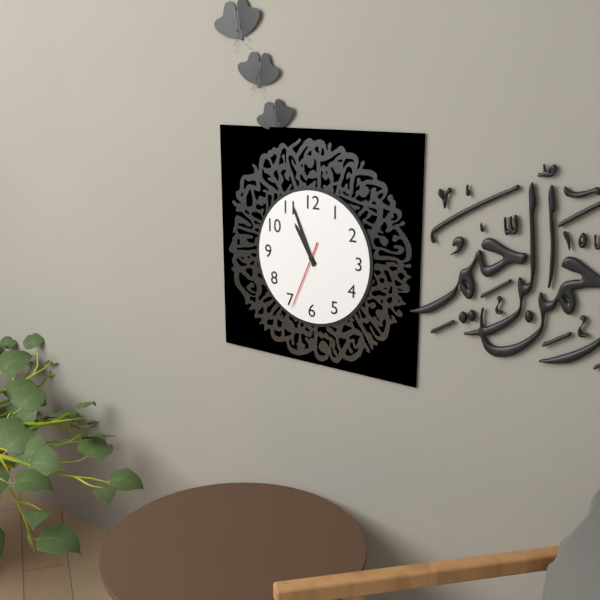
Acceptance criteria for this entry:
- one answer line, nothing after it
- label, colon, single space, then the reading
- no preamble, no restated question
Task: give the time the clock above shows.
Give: 10:56:34
